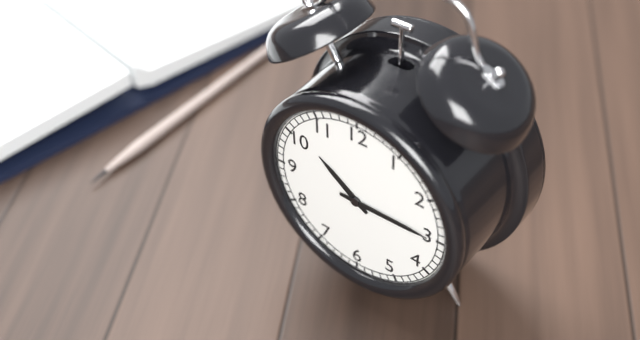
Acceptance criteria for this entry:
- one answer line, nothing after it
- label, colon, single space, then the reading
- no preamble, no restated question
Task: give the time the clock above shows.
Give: 10:15
